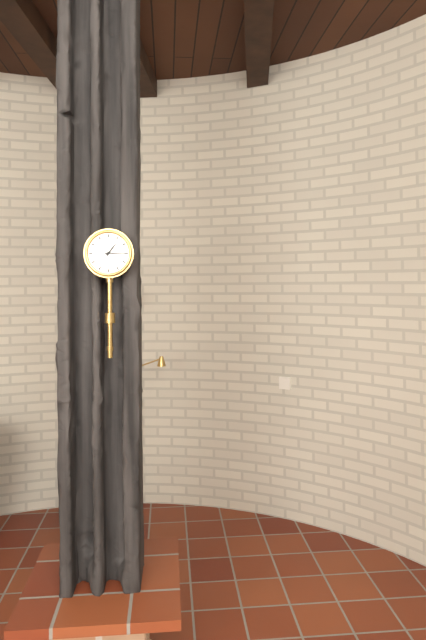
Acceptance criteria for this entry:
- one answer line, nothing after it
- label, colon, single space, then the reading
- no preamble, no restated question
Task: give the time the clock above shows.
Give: 1:15
